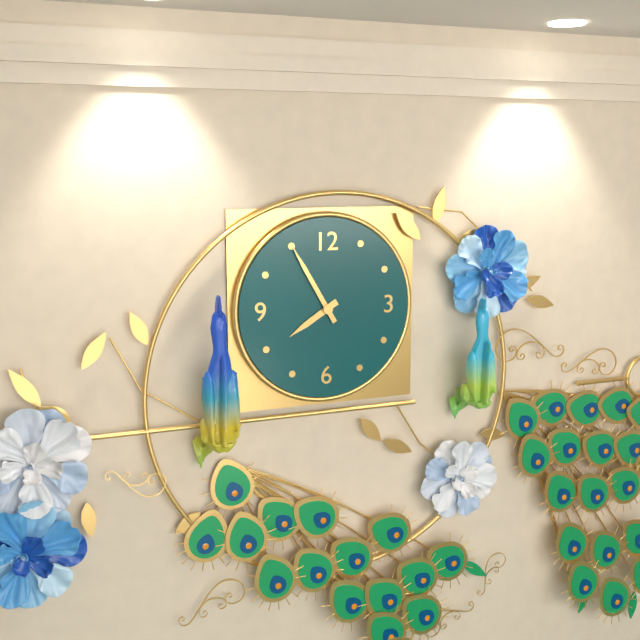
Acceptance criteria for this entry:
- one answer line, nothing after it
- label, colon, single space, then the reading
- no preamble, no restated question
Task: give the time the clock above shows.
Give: 7:55
